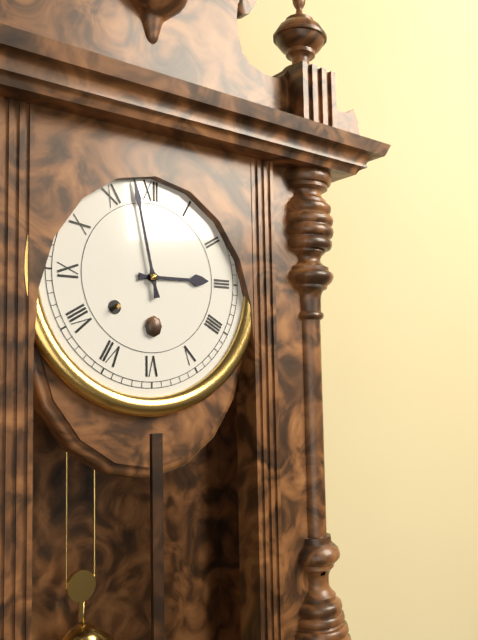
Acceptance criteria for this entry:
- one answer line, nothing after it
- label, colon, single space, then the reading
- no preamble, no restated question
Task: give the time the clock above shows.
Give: 2:58
